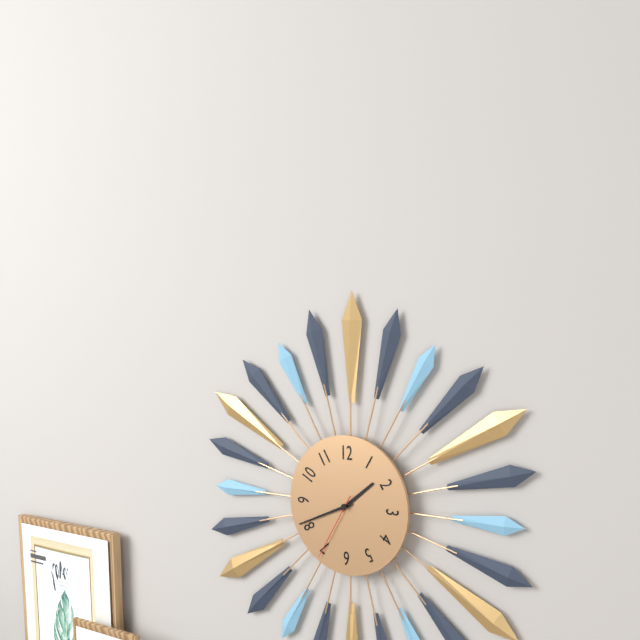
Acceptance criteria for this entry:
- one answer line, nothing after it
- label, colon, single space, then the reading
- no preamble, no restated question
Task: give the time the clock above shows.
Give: 1:41:35
